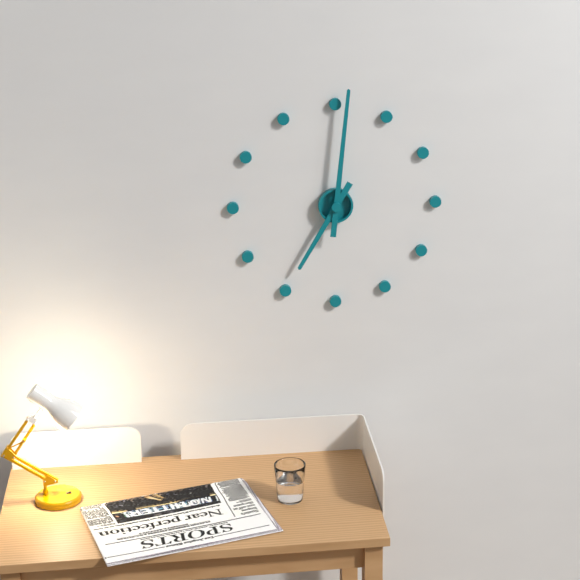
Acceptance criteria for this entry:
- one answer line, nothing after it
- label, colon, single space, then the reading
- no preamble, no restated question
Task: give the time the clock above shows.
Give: 7:01
